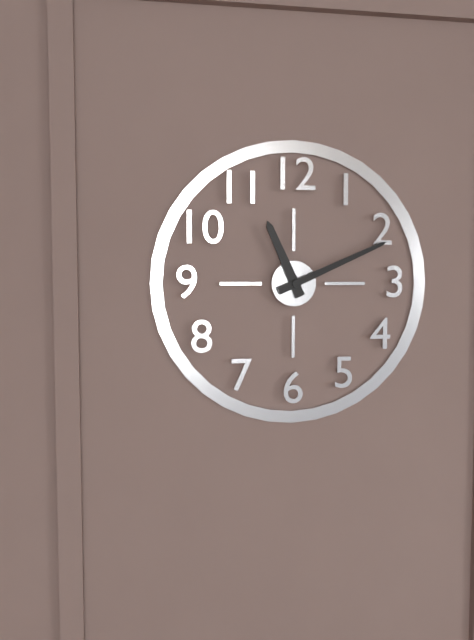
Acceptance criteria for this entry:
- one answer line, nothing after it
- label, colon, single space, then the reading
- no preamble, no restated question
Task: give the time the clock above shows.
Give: 11:11
